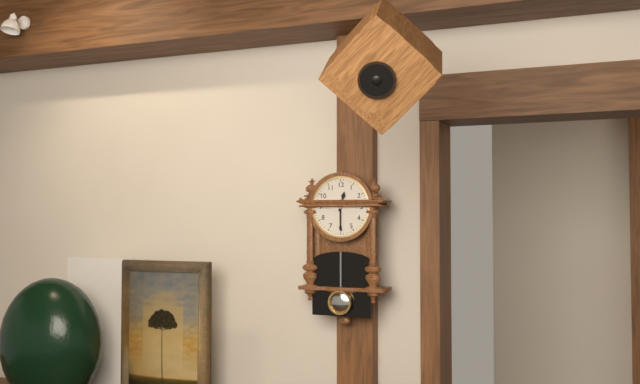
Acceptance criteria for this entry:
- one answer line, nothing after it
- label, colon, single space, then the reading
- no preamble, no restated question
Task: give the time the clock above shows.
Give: 12:30
